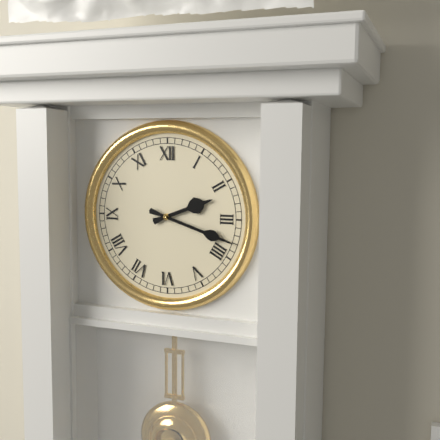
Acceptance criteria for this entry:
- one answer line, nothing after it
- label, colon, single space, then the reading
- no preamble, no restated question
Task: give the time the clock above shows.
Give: 2:18
